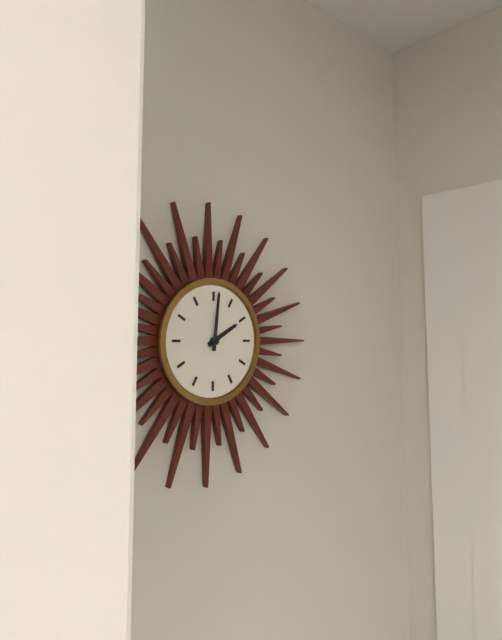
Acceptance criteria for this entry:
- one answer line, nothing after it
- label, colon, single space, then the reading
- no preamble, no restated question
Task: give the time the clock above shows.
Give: 2:01
